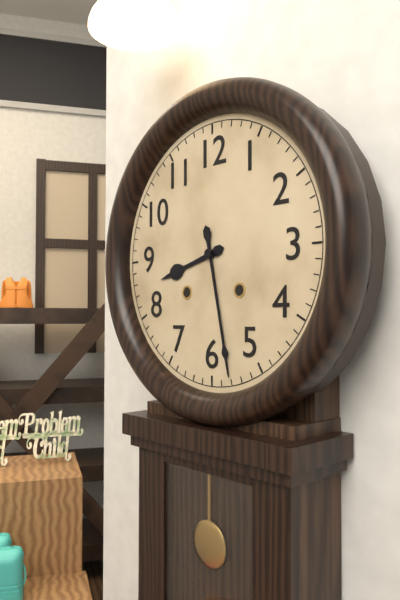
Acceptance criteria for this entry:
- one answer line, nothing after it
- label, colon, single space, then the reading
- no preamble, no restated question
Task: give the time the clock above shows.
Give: 8:28
